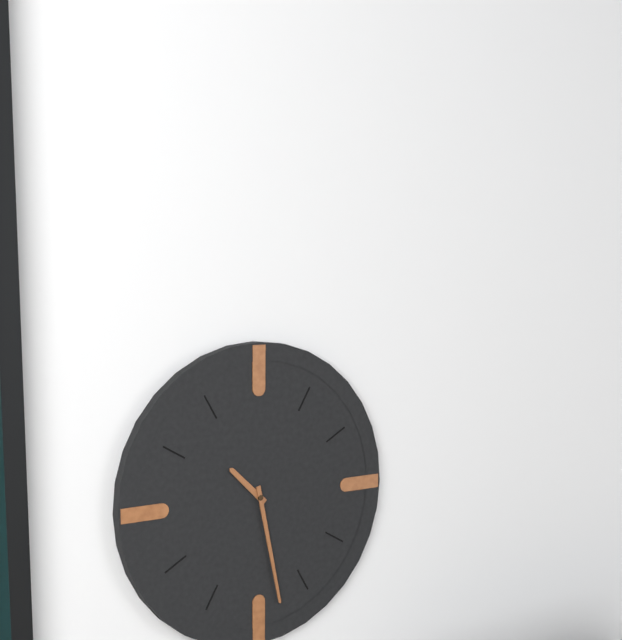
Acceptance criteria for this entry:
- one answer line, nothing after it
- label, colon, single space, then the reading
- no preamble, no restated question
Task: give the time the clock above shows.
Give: 10:28
